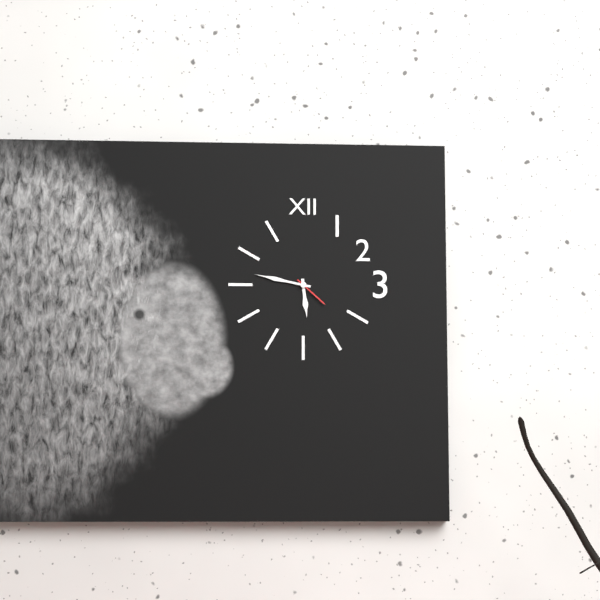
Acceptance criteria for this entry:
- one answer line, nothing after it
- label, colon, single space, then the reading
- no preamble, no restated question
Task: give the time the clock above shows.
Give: 5:47
